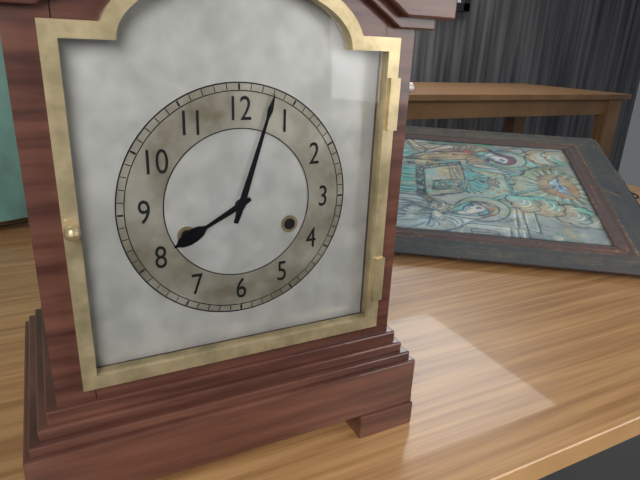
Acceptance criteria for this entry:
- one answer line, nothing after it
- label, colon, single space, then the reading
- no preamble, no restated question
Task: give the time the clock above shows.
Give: 8:03
